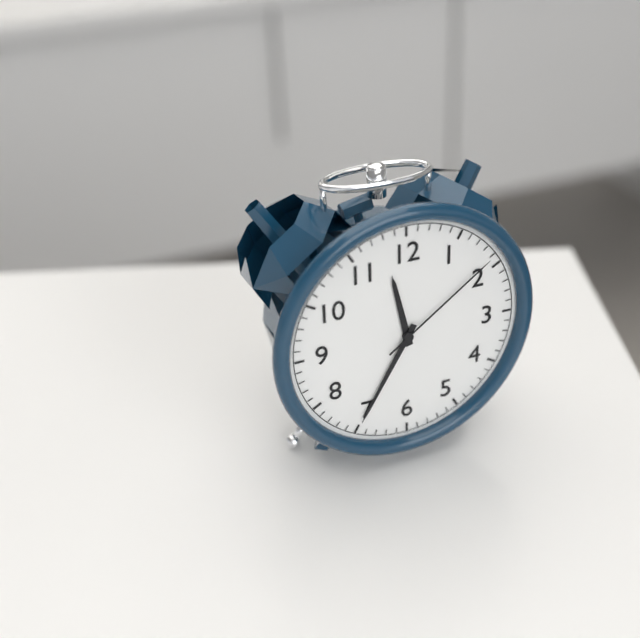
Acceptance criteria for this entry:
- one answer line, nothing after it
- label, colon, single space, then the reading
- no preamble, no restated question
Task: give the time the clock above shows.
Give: 11:35:09
